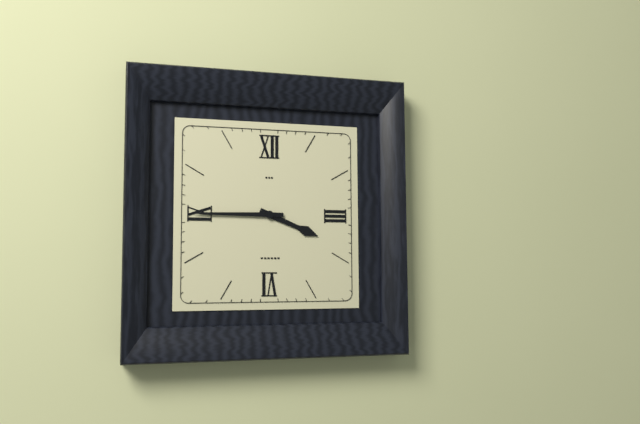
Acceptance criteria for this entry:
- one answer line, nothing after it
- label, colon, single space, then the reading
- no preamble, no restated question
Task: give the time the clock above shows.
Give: 3:45
